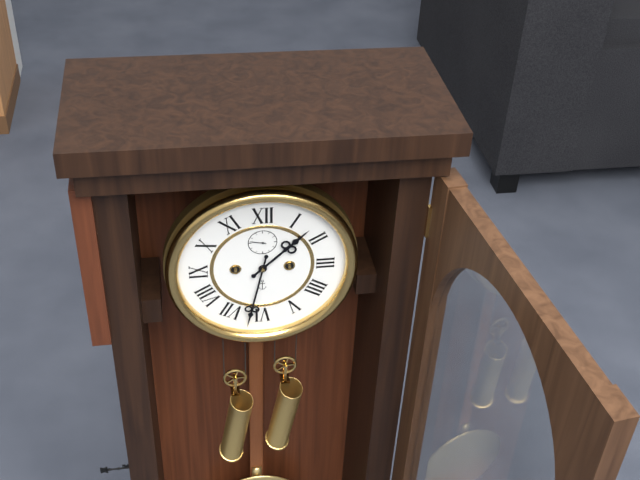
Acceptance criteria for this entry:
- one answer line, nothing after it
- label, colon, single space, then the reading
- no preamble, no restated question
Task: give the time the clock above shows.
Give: 1:32
